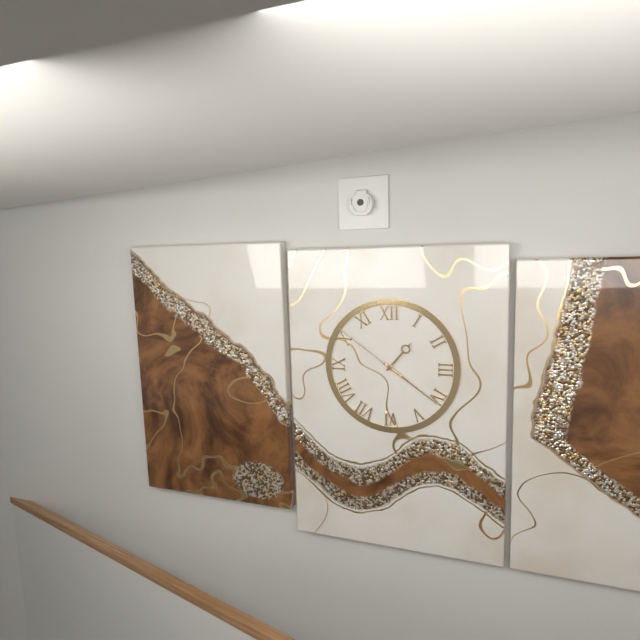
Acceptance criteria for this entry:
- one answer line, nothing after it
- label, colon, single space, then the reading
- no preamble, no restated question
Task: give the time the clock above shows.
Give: 1:21:51
